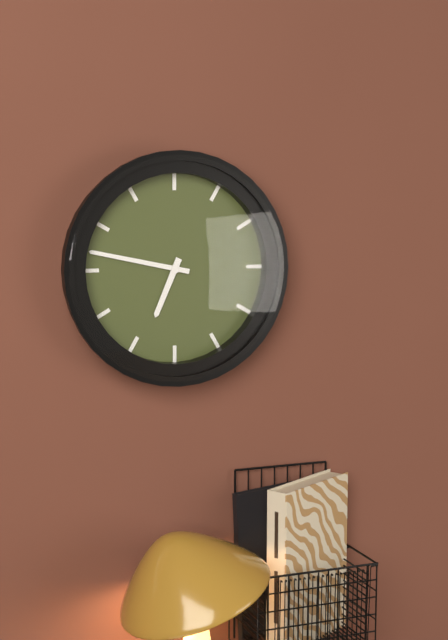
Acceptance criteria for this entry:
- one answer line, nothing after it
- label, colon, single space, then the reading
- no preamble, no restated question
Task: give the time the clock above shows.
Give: 6:47
